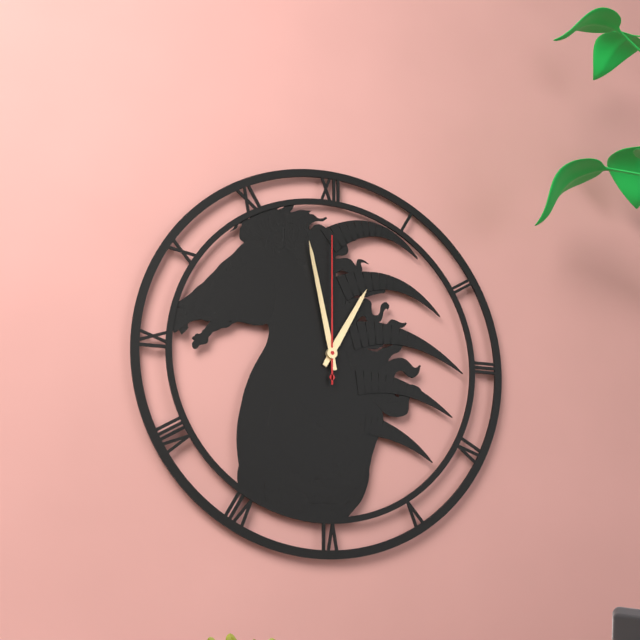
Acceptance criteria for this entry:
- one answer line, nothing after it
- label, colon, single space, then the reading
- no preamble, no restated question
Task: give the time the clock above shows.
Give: 12:58:00
